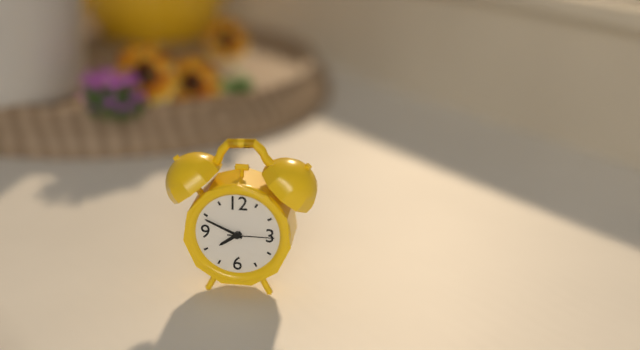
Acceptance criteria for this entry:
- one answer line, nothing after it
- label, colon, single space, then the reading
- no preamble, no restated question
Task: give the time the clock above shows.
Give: 7:49
